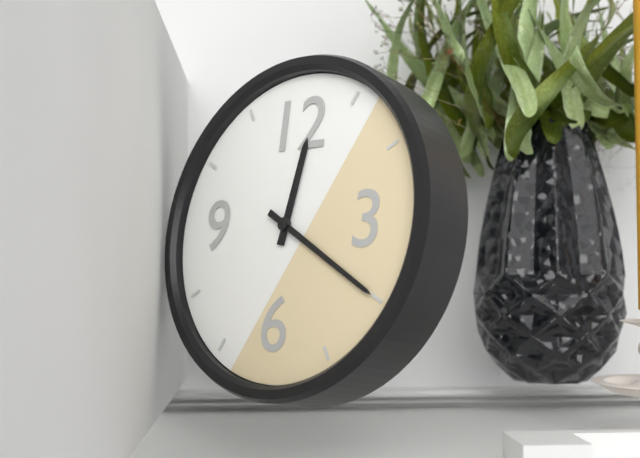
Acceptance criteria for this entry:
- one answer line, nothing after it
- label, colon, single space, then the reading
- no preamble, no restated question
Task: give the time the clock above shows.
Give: 12:20
